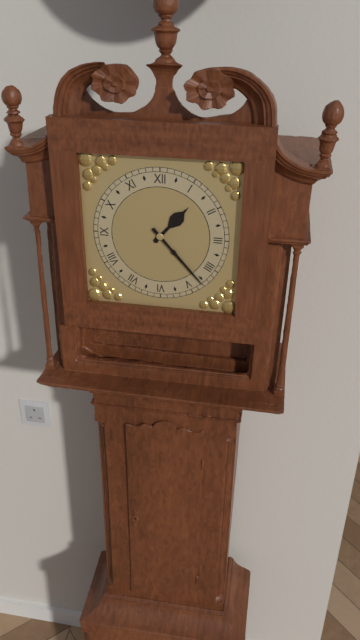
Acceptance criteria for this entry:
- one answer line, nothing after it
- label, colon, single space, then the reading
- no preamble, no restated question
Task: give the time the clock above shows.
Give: 1:23
